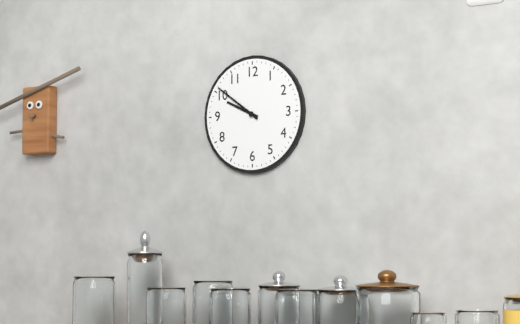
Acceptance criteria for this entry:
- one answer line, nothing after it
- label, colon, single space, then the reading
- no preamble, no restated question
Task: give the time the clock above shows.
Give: 9:51
